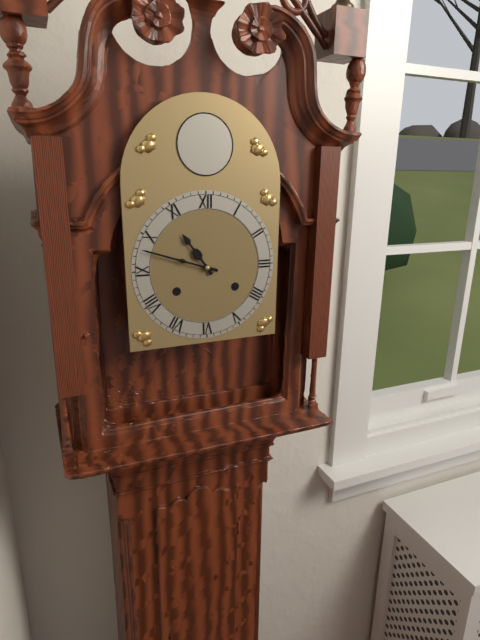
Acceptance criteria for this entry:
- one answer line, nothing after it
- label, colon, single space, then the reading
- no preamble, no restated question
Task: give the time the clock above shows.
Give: 10:48
